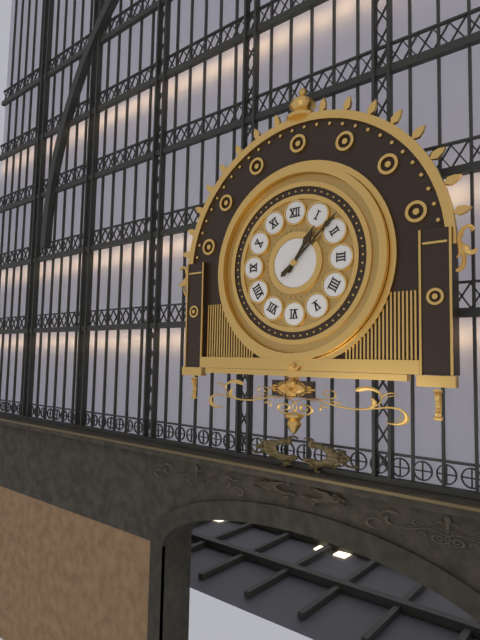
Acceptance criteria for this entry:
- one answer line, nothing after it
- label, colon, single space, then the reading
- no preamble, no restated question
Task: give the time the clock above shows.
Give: 1:08
